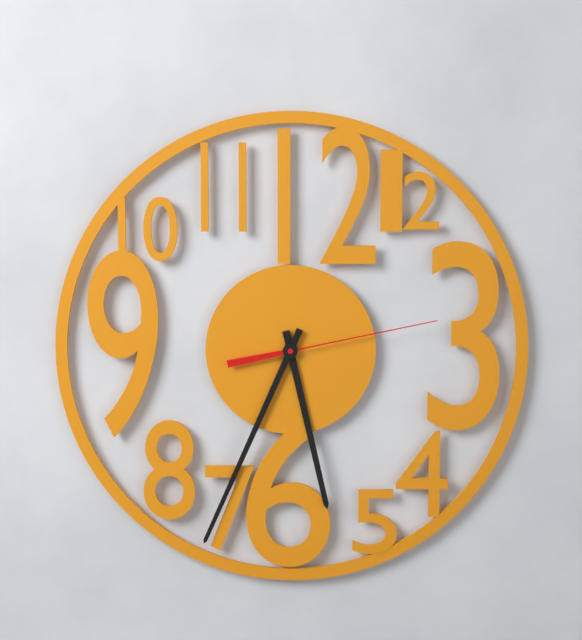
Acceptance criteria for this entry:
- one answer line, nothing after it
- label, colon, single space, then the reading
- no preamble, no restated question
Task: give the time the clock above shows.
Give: 5:34:13
